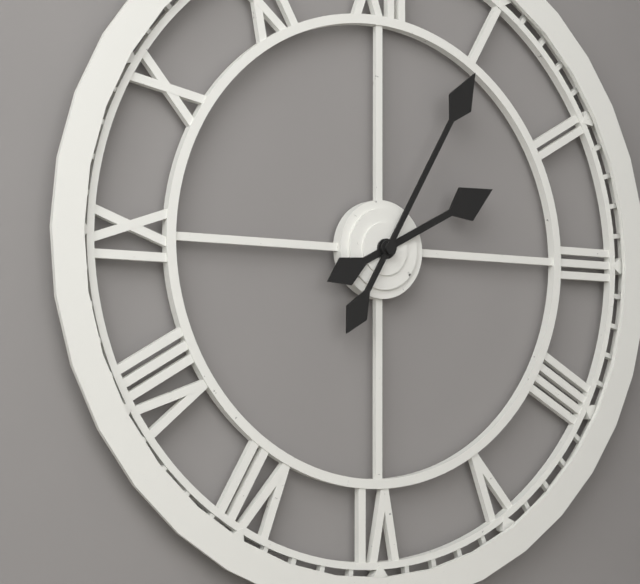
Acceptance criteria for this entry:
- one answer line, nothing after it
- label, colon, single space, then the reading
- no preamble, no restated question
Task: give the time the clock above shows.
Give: 2:05
